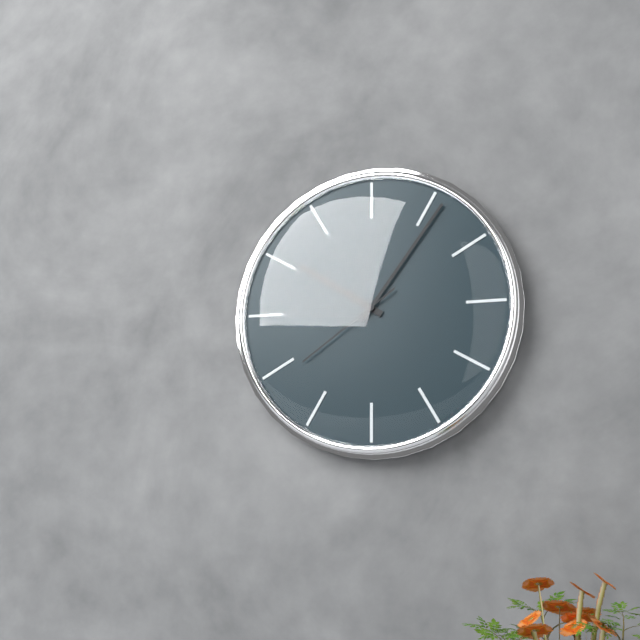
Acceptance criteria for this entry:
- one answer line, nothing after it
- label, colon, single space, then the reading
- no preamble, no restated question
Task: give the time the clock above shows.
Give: 10:06:39
